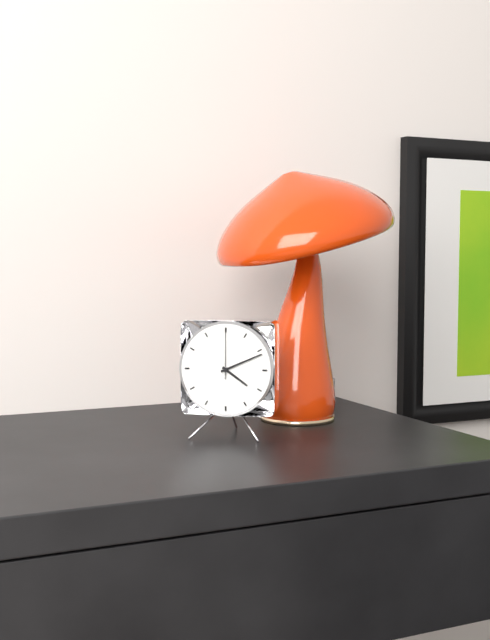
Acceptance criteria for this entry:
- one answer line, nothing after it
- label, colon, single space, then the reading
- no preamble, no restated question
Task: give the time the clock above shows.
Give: 4:11
